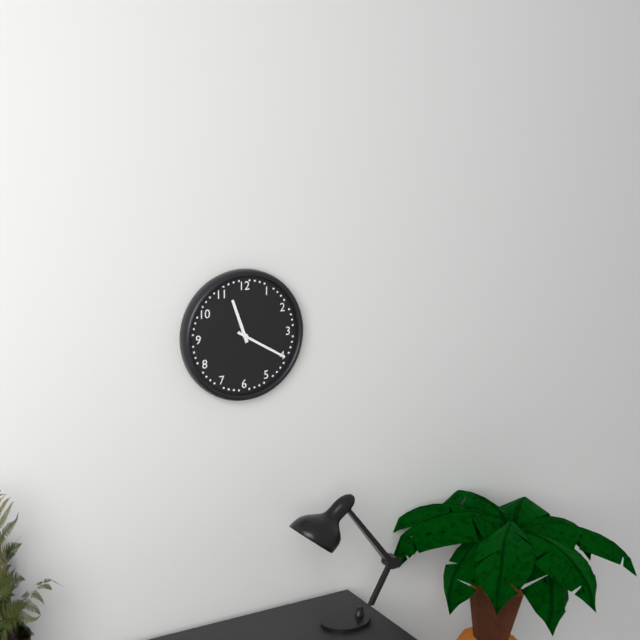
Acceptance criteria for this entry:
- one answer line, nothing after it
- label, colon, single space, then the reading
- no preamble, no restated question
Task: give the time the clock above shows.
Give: 11:20
